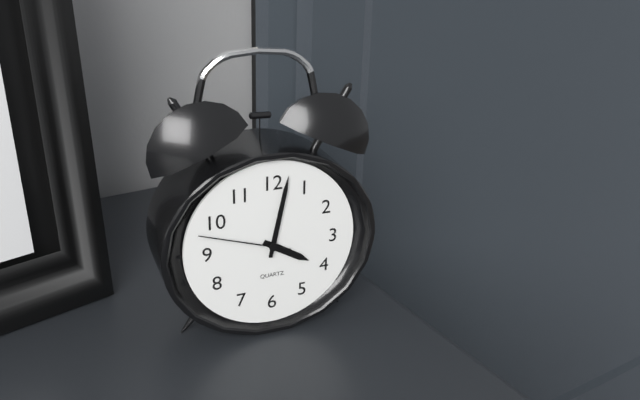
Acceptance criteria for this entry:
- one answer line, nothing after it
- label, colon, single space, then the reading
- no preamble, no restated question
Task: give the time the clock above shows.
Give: 4:02:48
